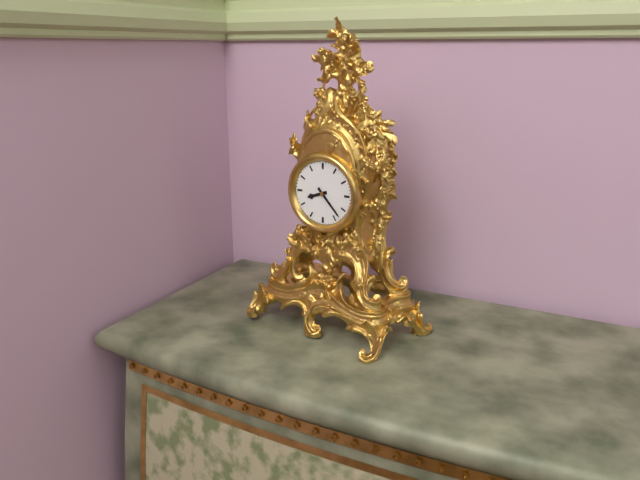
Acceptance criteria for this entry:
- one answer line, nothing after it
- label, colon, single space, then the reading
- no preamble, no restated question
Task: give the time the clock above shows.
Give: 8:23
